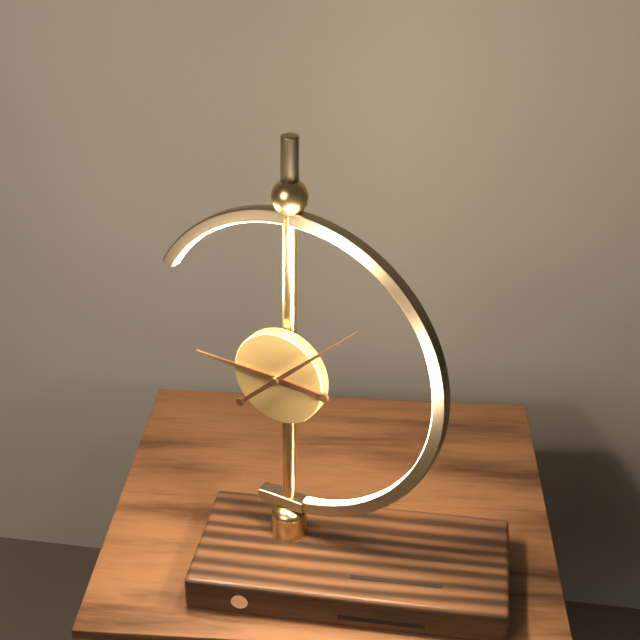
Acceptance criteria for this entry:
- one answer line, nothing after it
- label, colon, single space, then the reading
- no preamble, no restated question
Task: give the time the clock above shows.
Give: 9:08
